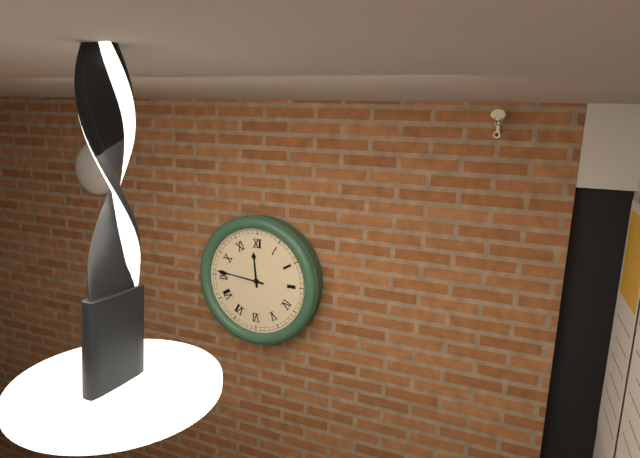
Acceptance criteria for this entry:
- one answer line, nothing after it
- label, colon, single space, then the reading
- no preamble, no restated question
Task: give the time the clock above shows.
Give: 11:46
